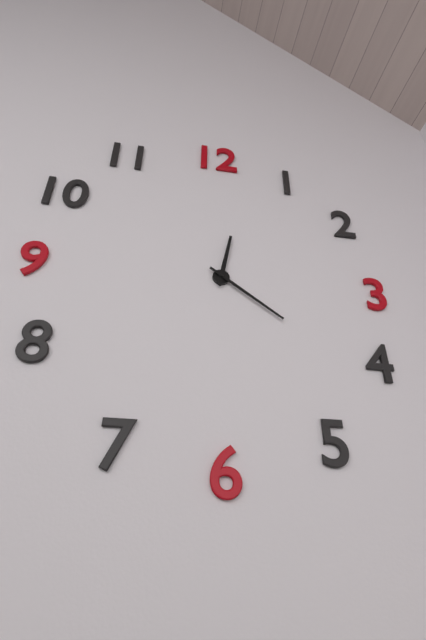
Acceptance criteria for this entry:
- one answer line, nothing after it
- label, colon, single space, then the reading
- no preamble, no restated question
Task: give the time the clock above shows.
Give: 12:21
